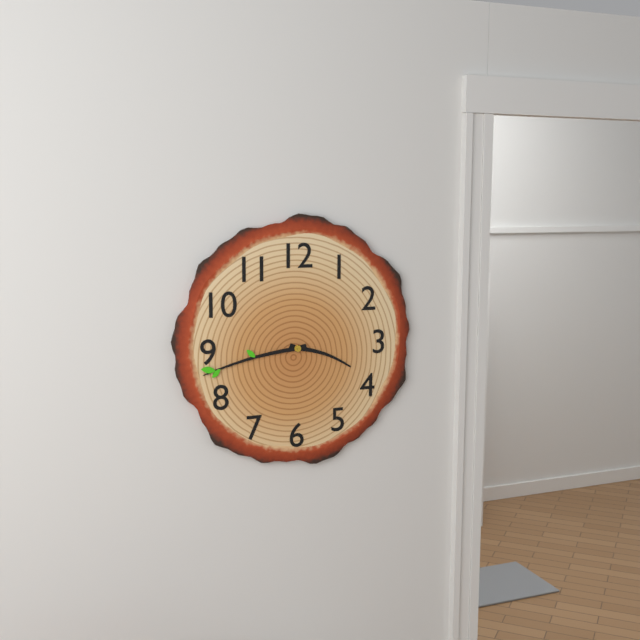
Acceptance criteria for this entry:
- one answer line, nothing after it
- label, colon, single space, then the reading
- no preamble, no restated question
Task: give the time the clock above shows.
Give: 3:43
